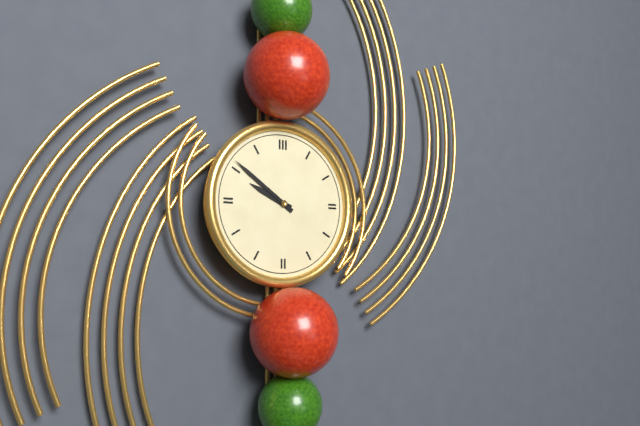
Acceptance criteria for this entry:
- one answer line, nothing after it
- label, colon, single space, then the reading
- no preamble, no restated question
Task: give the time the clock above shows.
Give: 9:51
